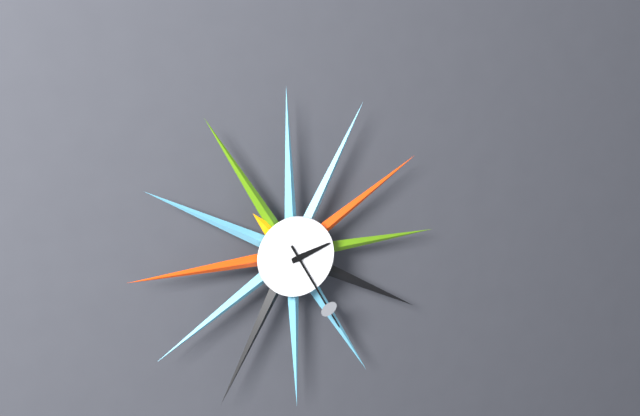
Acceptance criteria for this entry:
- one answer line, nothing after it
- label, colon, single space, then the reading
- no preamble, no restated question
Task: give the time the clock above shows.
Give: 2:25
